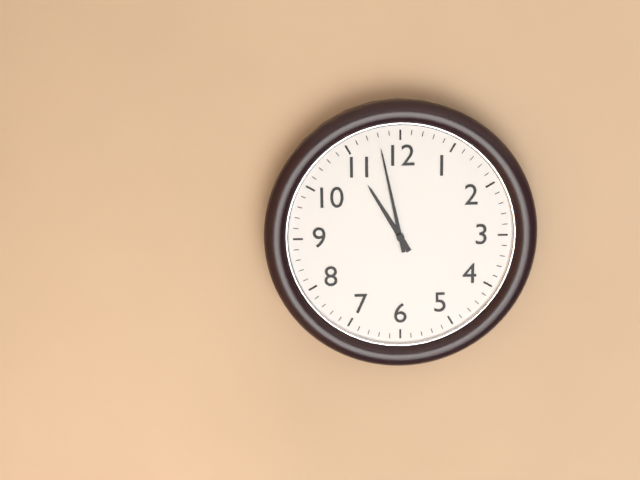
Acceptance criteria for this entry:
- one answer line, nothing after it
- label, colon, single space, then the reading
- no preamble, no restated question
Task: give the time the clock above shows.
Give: 10:58
